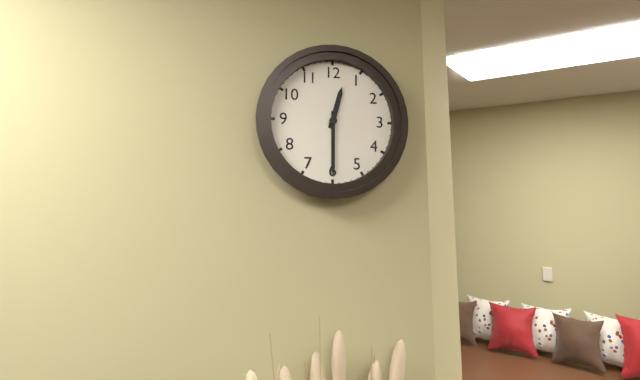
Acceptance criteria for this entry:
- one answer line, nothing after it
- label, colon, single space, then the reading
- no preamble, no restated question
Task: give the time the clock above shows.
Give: 12:30
